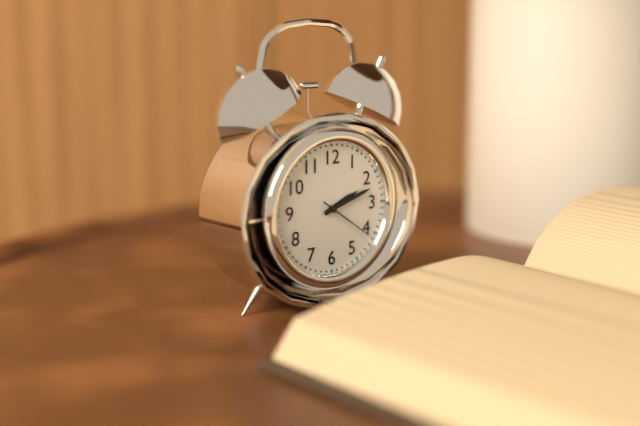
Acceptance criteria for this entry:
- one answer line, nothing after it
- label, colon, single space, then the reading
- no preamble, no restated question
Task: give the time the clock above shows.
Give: 2:12:21
